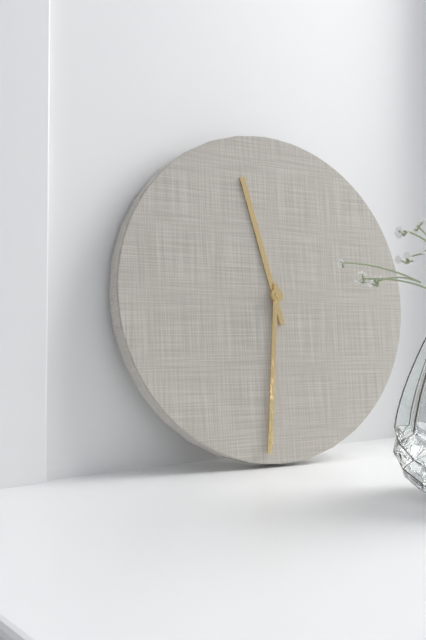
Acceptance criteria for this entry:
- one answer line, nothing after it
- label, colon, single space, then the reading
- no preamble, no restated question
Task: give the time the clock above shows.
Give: 11:31
